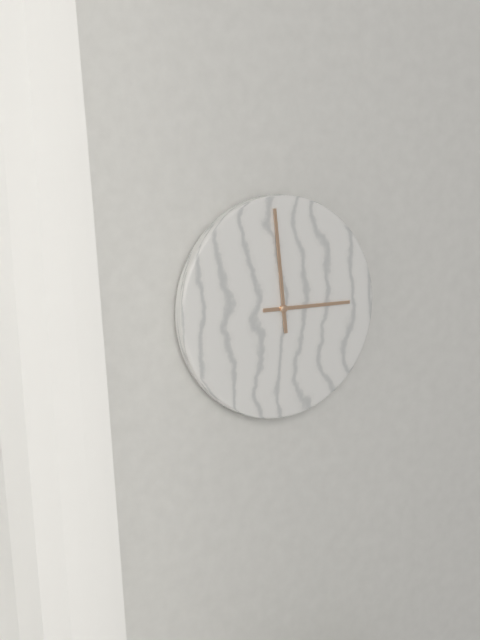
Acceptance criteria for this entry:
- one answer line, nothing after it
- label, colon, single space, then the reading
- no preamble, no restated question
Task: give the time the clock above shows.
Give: 2:59
